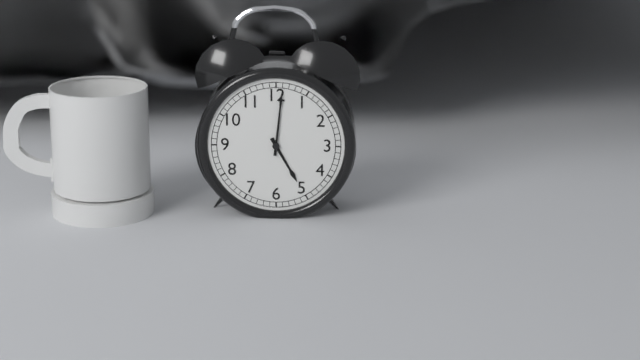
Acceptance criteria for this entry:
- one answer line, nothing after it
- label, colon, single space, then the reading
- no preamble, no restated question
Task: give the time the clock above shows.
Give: 5:01
